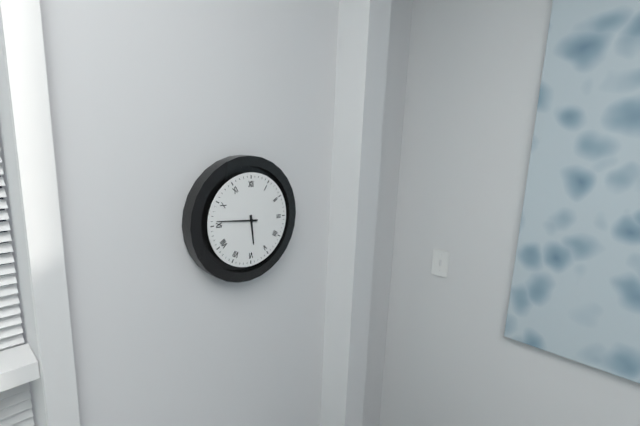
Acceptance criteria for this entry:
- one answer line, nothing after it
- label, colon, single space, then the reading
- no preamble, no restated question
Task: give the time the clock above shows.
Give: 5:46
